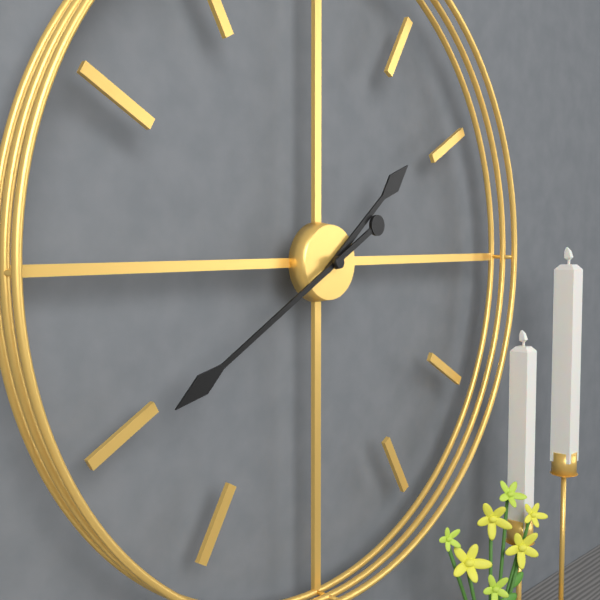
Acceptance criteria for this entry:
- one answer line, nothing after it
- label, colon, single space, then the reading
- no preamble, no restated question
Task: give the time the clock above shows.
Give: 1:40
